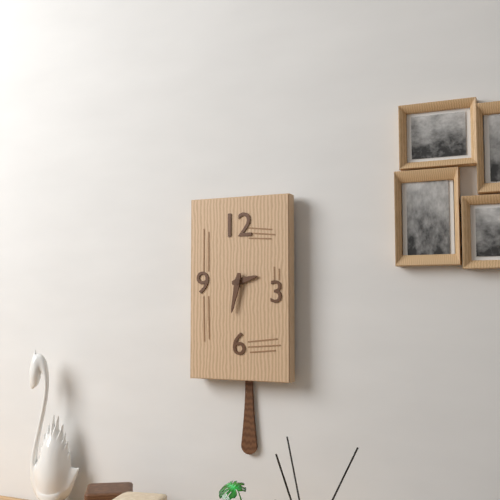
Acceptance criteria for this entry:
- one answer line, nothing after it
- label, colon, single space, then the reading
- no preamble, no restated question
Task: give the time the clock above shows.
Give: 2:32
